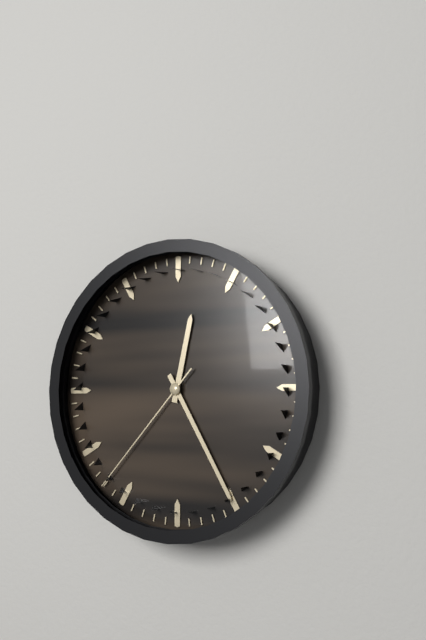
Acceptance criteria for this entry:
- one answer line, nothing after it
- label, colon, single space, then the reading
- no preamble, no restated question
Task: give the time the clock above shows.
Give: 12:25:37
